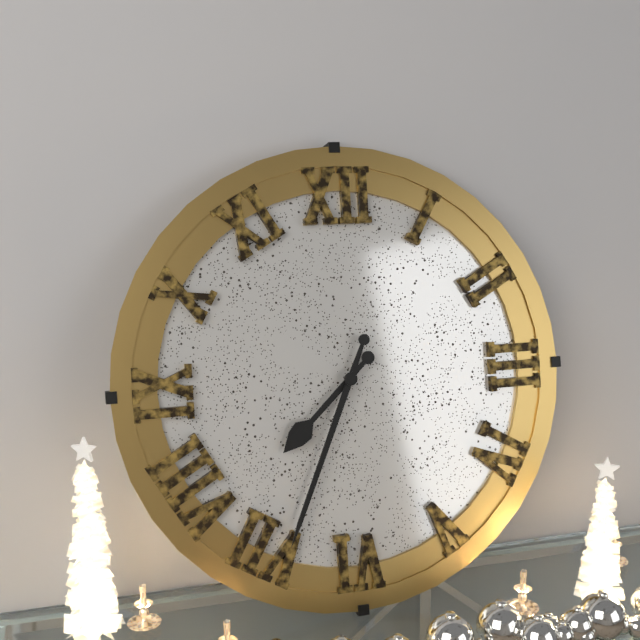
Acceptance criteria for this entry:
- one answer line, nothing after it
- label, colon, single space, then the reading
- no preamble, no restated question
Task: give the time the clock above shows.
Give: 7:34
